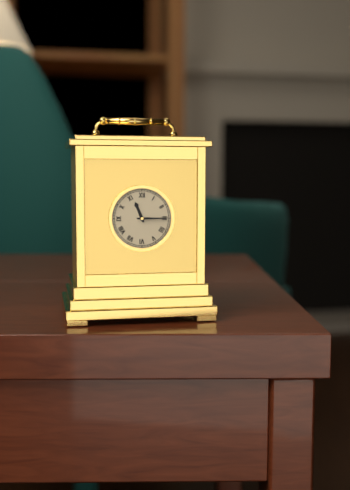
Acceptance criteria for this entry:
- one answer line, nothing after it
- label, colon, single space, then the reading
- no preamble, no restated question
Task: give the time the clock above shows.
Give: 11:15
